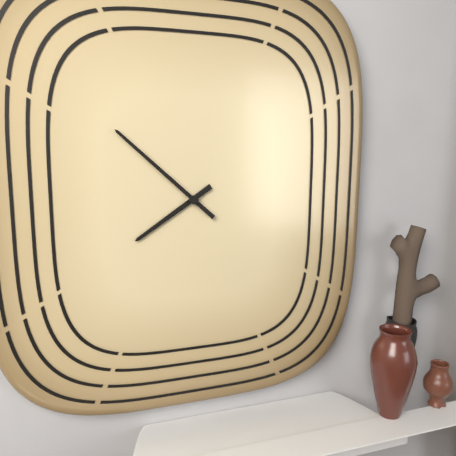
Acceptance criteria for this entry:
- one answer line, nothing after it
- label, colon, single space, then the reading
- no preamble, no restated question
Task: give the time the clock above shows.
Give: 7:52
